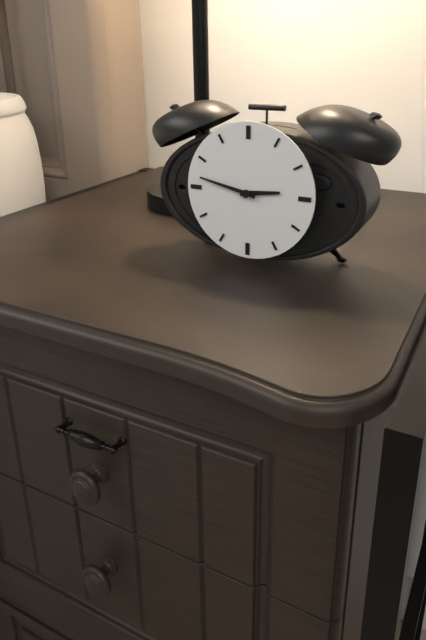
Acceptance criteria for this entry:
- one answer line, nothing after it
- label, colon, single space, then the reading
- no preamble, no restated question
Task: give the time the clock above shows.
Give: 2:47
